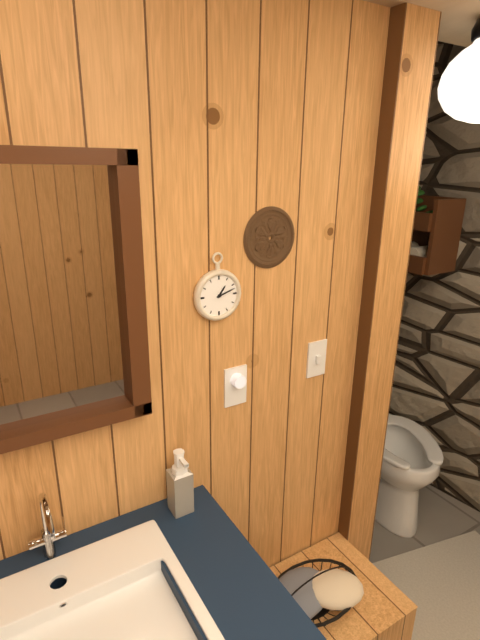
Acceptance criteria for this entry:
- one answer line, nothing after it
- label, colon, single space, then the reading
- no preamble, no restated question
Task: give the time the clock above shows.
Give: 1:12
